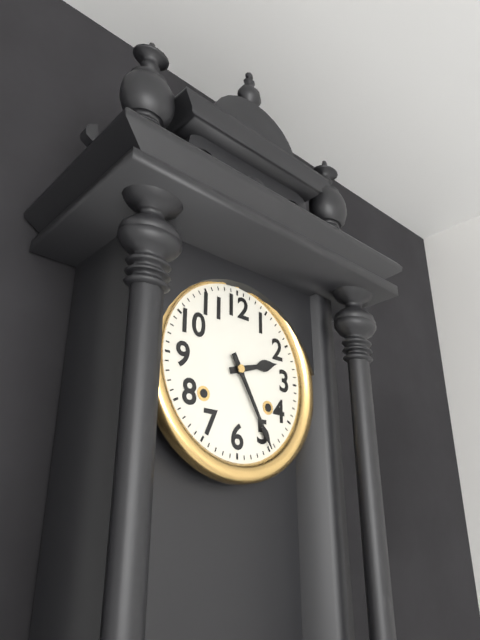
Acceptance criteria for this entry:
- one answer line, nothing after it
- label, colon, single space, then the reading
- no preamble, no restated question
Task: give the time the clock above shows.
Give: 2:25
